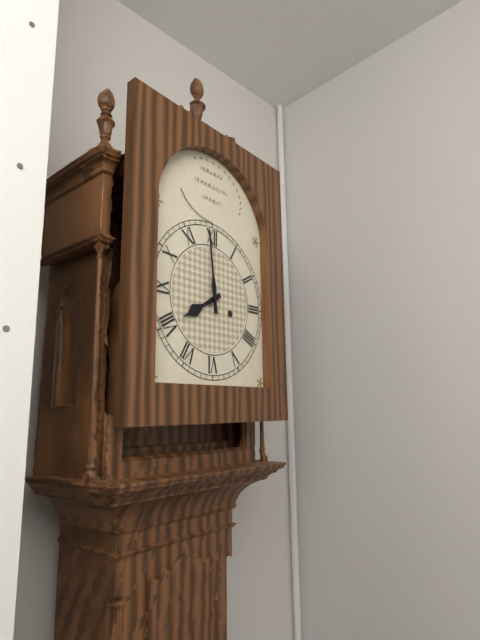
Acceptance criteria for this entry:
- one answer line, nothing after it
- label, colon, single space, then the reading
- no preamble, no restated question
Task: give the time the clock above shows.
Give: 7:59
